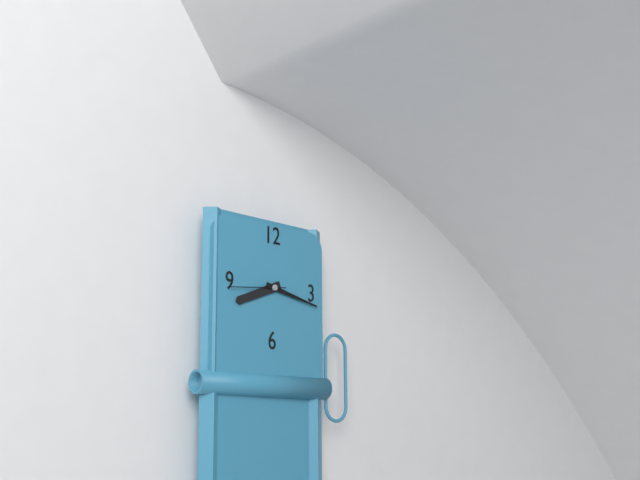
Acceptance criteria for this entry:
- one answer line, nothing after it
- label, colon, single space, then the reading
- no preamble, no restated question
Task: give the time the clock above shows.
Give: 8:17:44
